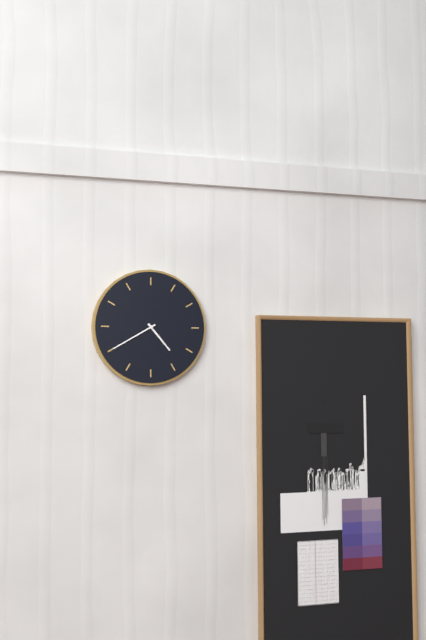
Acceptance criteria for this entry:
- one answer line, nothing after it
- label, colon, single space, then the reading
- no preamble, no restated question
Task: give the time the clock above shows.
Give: 4:40
